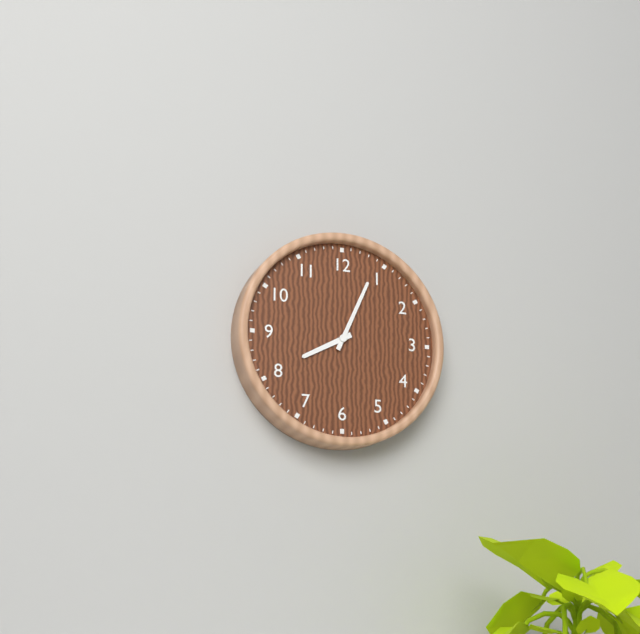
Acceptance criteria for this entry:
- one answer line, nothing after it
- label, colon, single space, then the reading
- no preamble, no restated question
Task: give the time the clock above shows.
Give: 8:04
